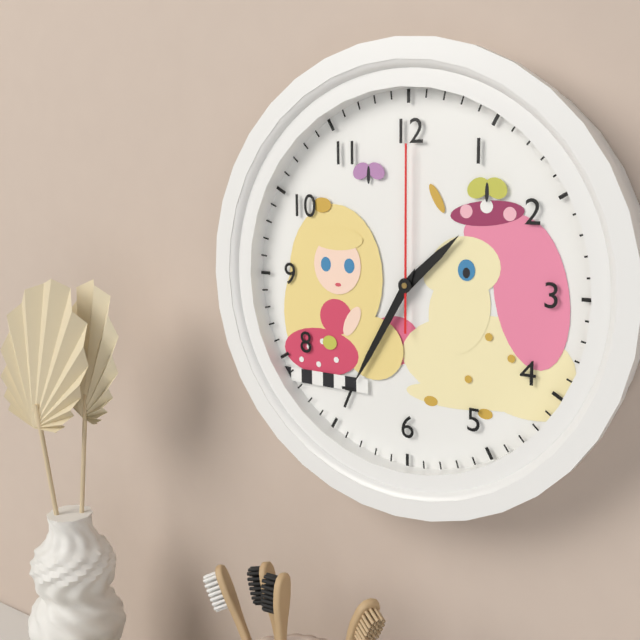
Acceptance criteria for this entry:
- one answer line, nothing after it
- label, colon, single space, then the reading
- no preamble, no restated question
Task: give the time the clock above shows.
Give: 1:35:00
